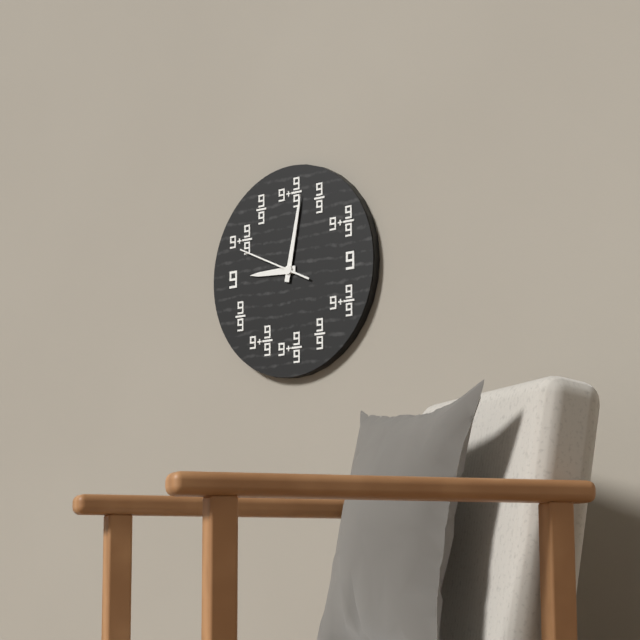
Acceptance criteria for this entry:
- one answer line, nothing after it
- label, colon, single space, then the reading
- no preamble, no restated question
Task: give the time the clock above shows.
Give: 9:02:49
